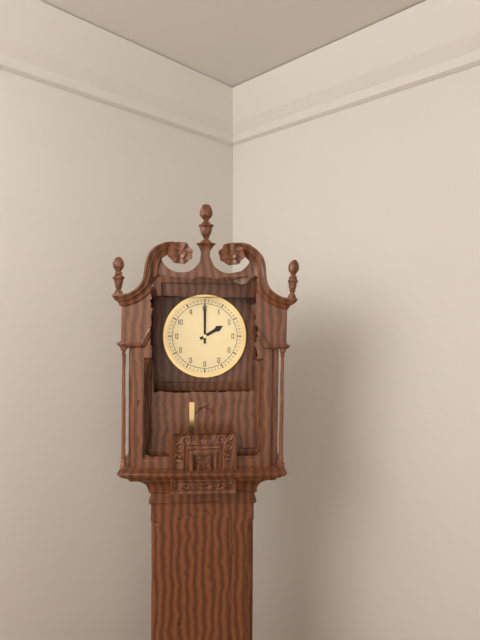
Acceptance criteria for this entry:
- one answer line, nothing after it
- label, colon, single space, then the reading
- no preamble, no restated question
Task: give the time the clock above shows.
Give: 2:00
